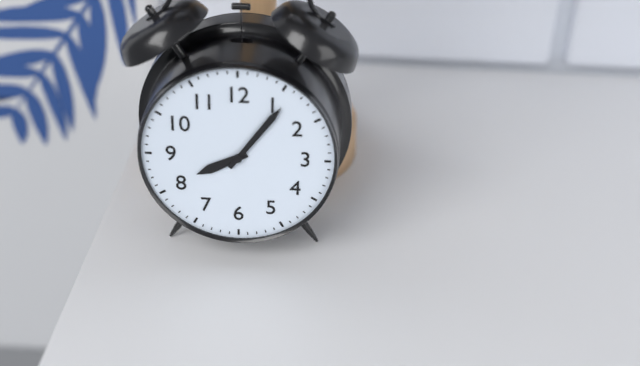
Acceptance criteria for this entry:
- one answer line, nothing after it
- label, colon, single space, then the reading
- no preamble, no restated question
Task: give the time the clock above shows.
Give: 8:06
